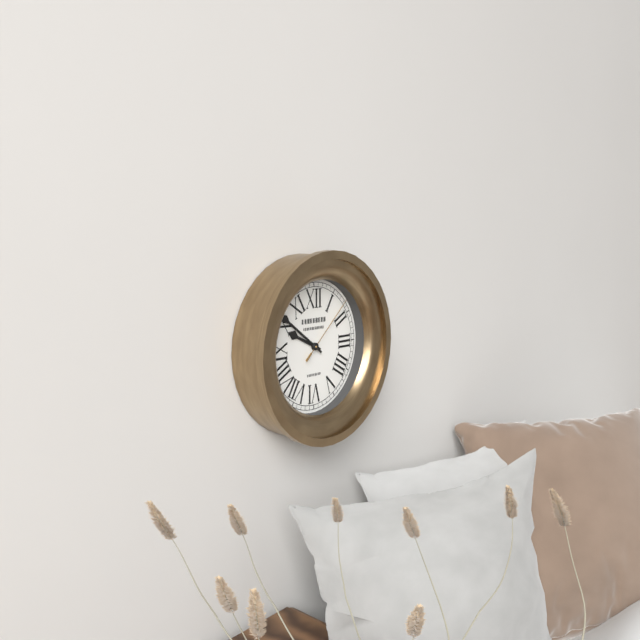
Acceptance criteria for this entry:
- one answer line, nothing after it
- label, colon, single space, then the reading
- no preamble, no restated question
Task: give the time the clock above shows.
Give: 9:51:08
